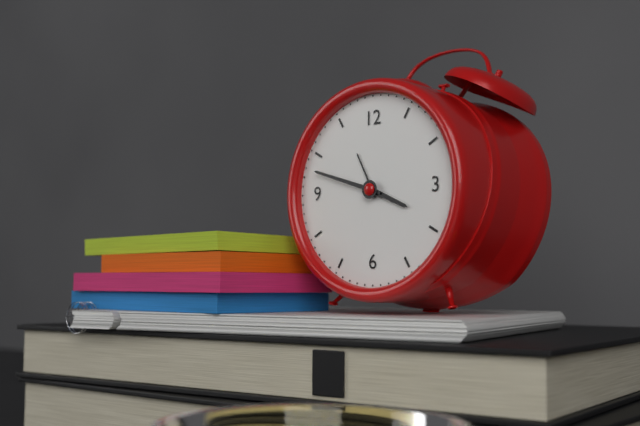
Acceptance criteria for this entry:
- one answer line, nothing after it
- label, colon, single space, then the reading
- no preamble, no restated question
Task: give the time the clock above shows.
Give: 3:48
